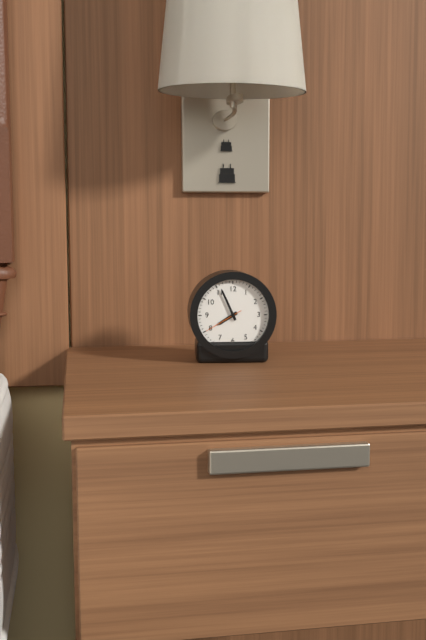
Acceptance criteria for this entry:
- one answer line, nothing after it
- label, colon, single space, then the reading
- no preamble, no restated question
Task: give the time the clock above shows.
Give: 7:56
